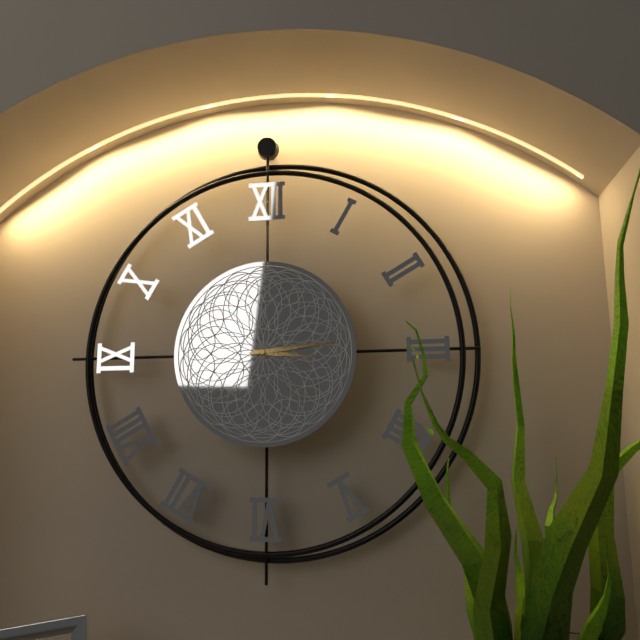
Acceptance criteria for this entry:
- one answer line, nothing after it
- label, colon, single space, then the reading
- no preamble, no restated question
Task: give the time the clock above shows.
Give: 3:14
